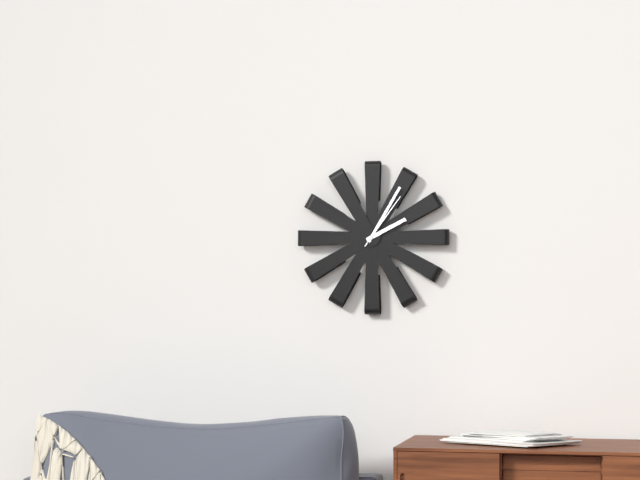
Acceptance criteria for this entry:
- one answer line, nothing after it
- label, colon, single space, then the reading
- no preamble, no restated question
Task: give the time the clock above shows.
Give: 2:05:06
